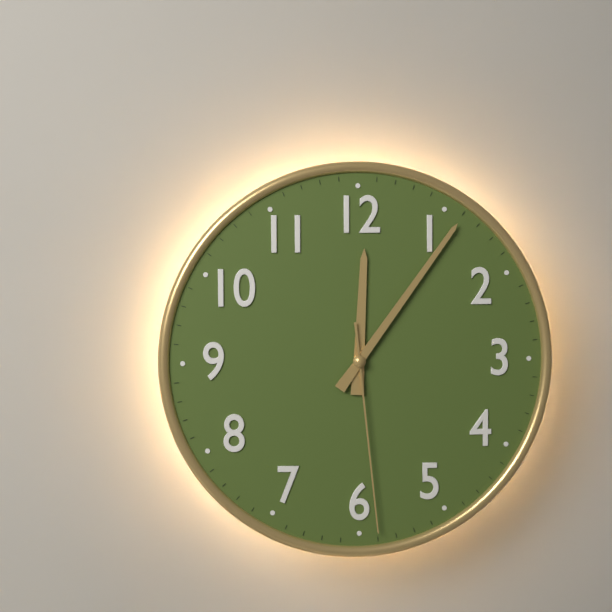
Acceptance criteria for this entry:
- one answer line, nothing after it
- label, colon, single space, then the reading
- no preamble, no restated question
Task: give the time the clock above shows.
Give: 12:06:29
